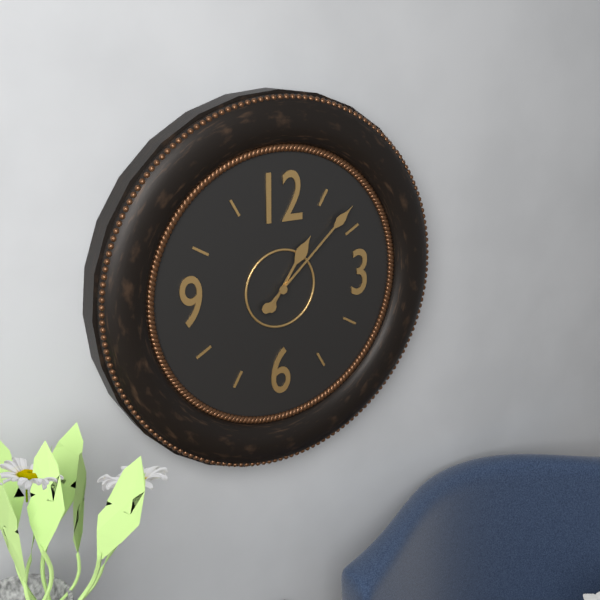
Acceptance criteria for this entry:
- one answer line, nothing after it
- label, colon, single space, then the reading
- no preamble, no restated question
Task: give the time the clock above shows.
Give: 1:08
